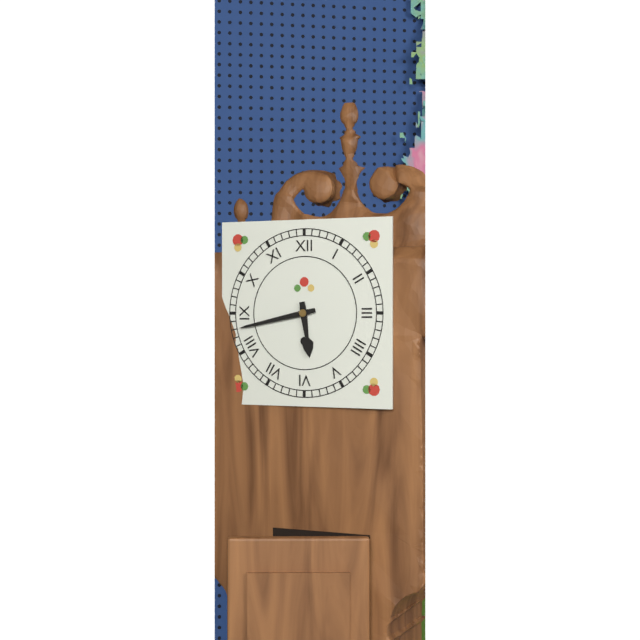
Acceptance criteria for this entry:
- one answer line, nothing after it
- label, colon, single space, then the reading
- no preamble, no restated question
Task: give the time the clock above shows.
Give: 5:43
